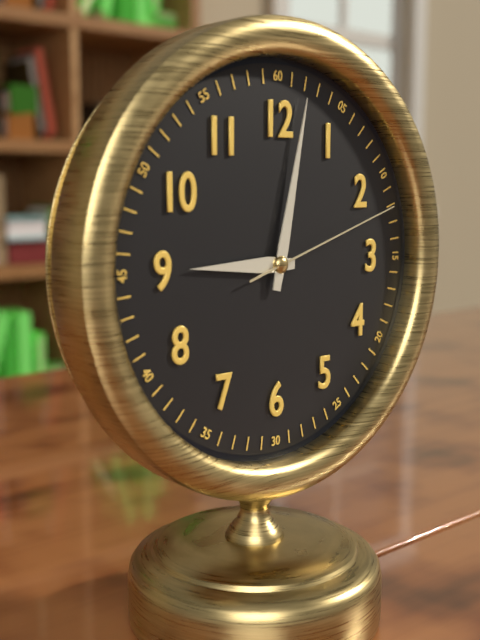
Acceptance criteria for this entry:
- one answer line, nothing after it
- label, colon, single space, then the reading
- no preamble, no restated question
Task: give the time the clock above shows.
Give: 9:02:12
